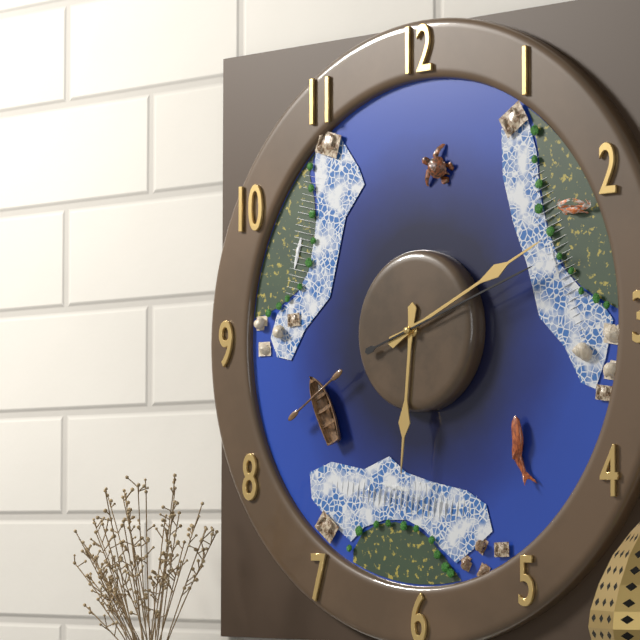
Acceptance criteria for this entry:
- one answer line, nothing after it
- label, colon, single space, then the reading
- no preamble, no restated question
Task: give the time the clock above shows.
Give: 6:11:12
